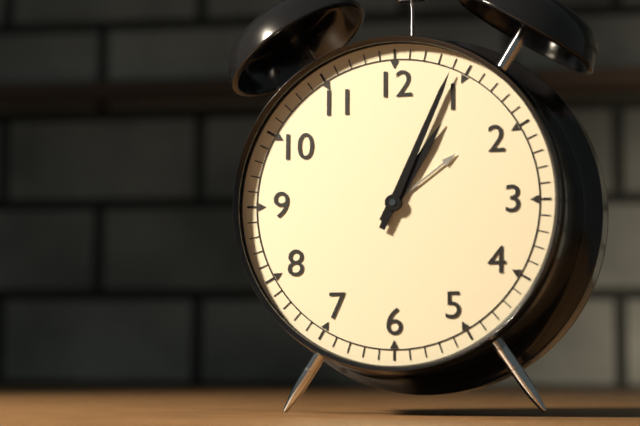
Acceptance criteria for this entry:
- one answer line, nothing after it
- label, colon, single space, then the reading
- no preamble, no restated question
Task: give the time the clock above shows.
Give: 1:04
